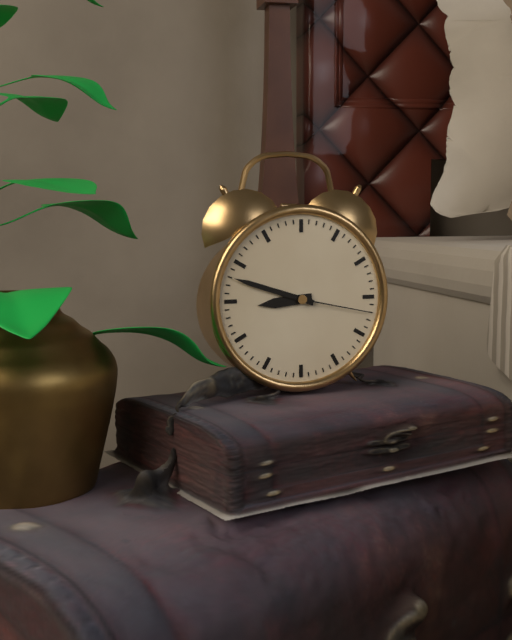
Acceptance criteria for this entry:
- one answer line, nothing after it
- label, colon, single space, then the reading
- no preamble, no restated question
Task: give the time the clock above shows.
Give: 8:48:17
